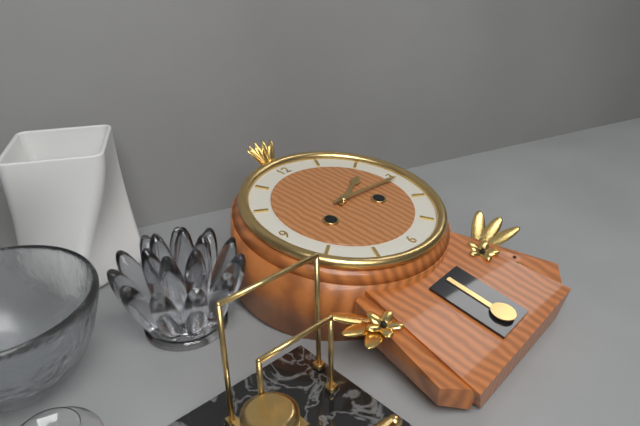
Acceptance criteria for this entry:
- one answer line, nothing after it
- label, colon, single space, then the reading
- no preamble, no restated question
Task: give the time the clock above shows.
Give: 2:16
